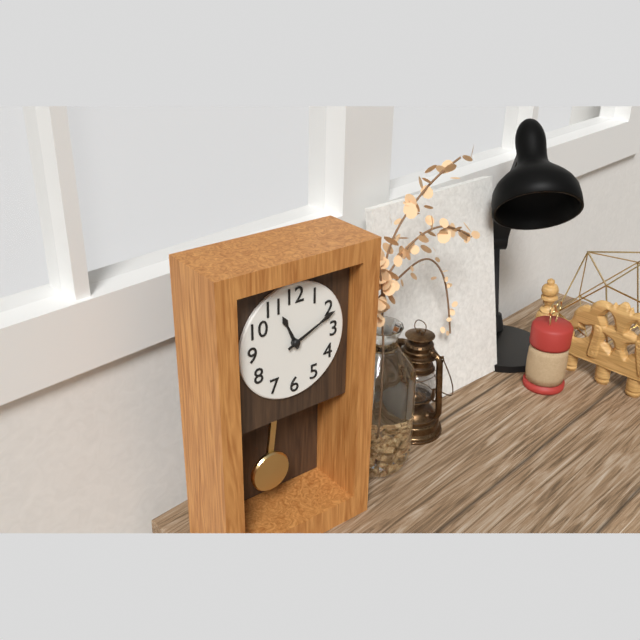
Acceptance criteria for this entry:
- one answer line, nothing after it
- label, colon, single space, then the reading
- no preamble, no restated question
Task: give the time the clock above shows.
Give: 11:11
